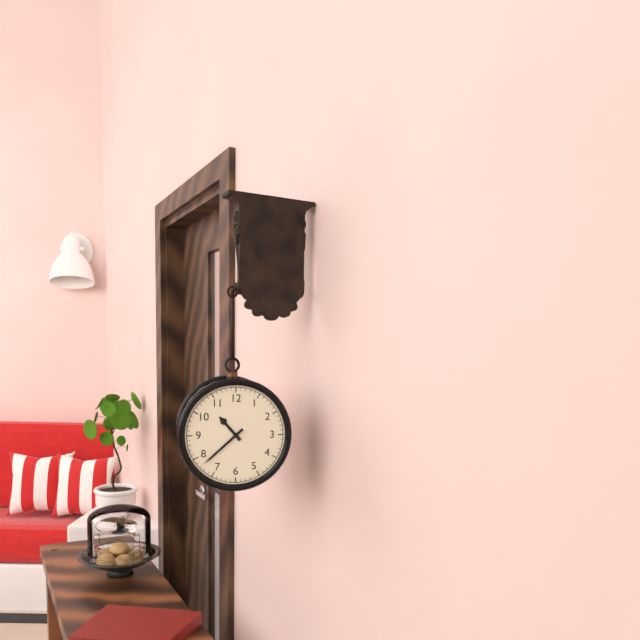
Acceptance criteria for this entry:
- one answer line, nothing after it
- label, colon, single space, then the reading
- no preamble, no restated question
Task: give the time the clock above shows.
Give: 10:38
